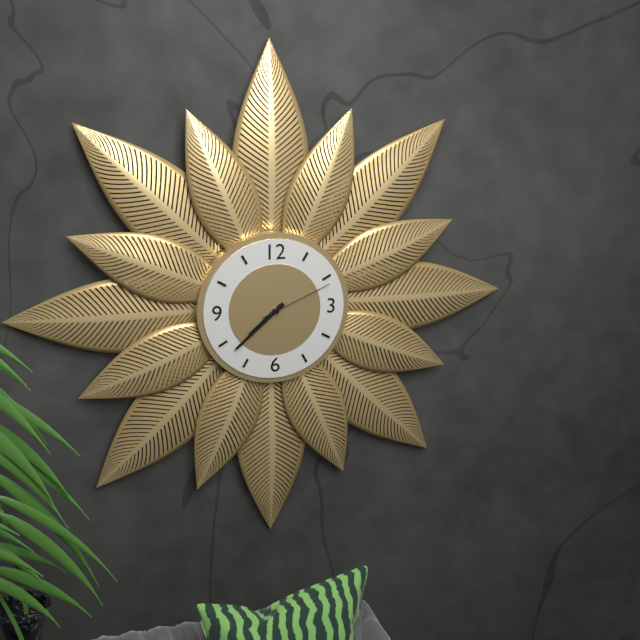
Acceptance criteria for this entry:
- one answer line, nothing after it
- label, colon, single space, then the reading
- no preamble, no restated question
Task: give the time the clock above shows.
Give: 7:38:11
